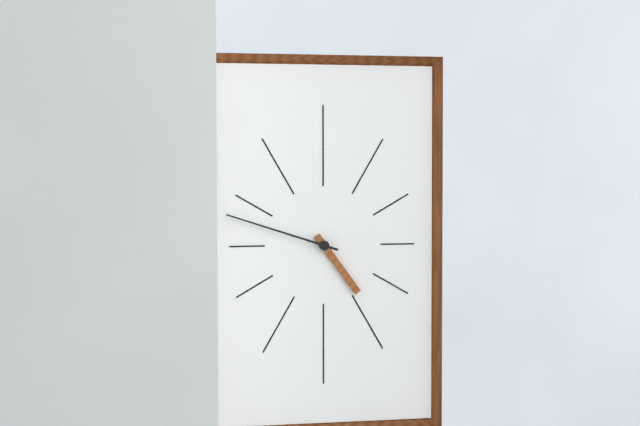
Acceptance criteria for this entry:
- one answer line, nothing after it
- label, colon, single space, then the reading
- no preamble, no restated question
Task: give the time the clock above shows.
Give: 4:48
